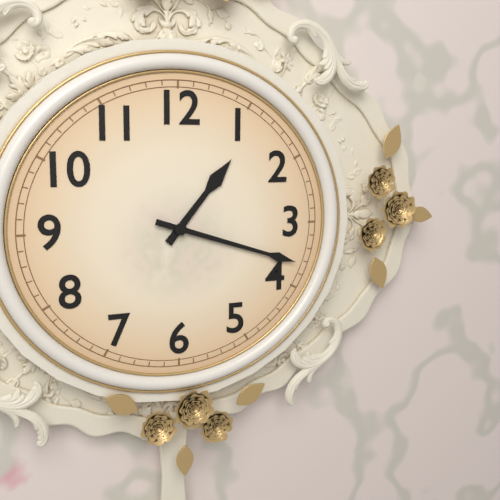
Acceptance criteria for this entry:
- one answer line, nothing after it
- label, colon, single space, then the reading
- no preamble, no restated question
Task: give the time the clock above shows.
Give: 1:18
